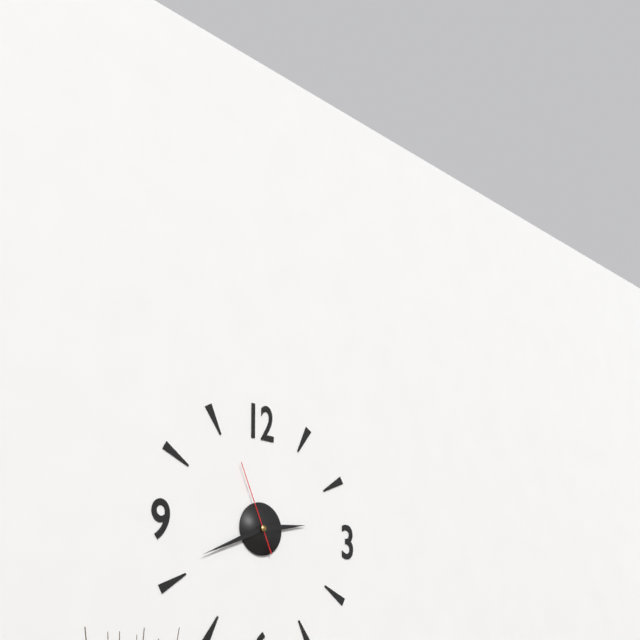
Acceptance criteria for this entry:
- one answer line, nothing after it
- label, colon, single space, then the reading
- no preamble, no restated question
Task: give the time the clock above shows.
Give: 2:41:56
